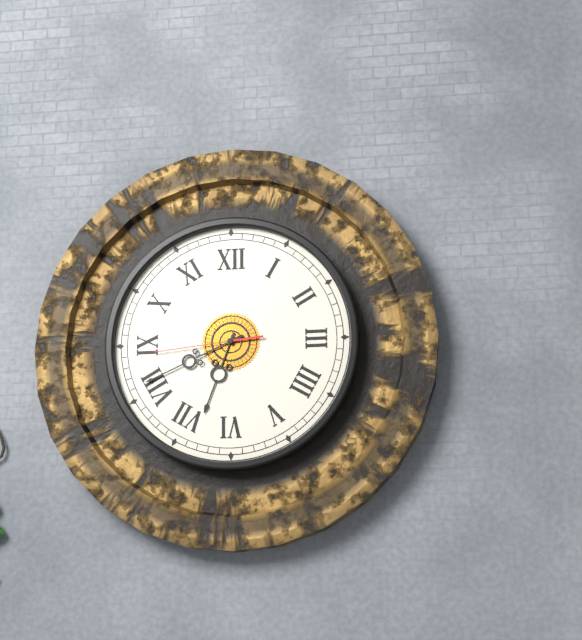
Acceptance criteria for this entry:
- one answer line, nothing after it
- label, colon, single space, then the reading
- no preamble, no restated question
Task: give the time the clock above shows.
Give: 6:41:44
